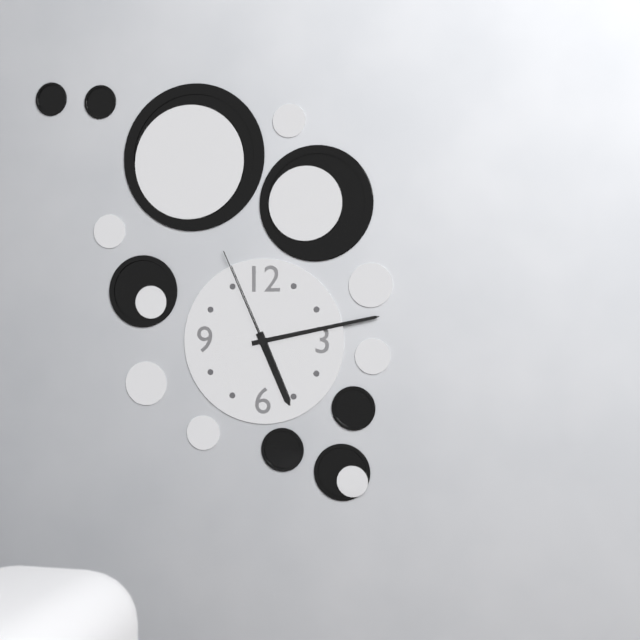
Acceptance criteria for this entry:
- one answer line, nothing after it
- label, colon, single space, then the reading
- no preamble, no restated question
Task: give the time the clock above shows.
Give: 5:13:56
